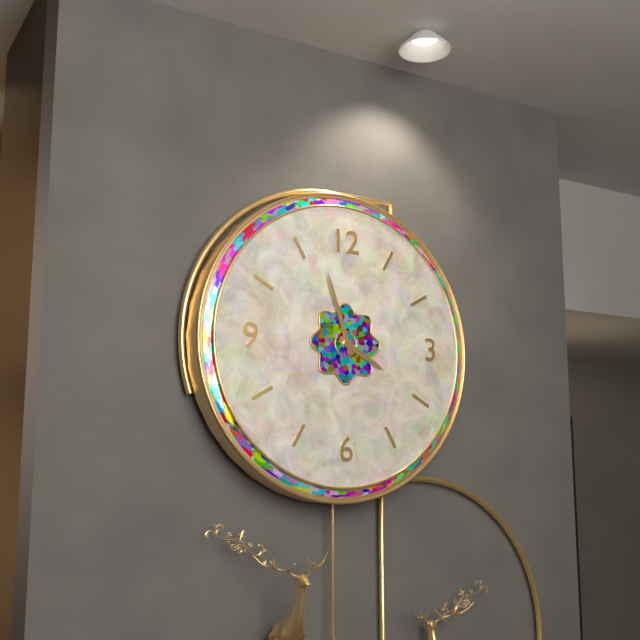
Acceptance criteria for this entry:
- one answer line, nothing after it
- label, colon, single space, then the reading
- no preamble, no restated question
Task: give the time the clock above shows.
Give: 3:57
